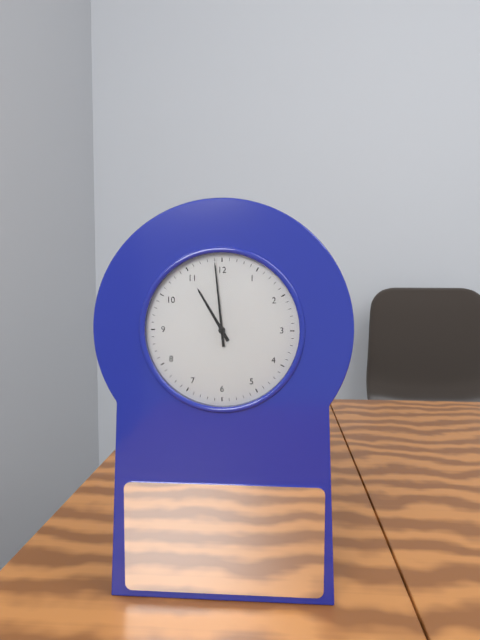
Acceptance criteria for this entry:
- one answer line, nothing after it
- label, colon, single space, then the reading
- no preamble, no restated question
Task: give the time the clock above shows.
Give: 10:59
